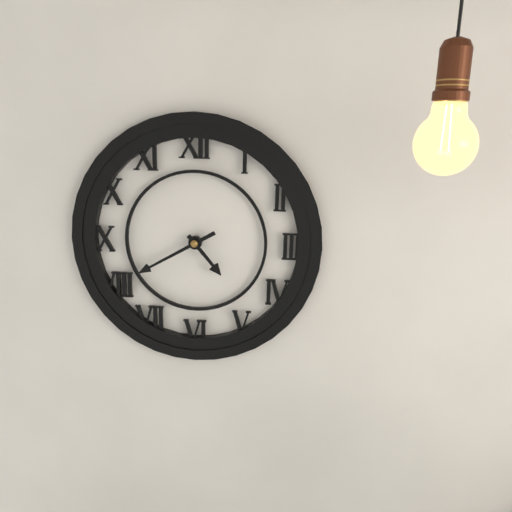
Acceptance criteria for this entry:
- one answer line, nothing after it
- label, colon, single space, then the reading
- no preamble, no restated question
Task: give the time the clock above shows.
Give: 4:40
